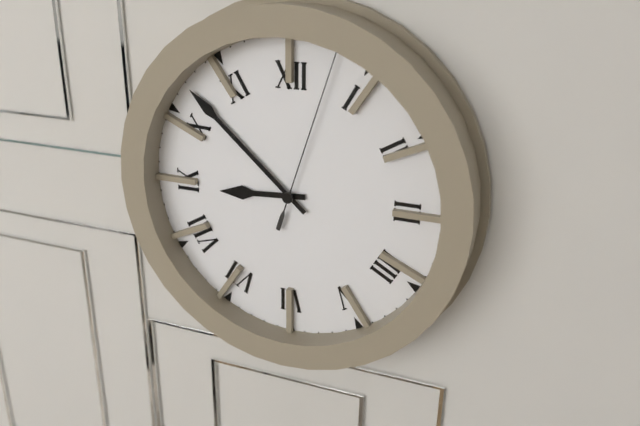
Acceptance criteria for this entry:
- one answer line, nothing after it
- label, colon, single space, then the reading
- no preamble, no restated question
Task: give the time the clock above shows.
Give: 8:52:03
